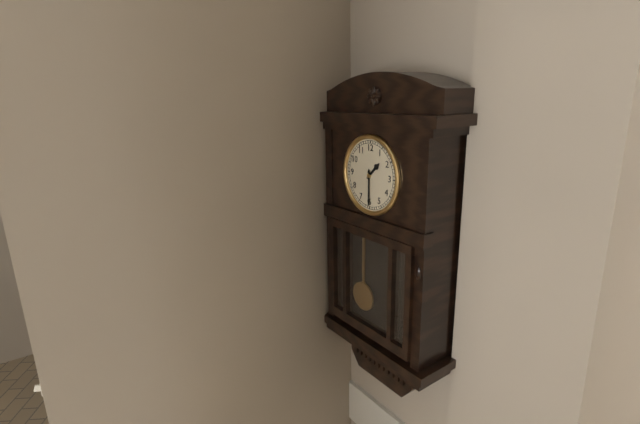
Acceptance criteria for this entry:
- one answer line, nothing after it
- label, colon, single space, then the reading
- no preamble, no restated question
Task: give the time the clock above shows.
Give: 1:30
